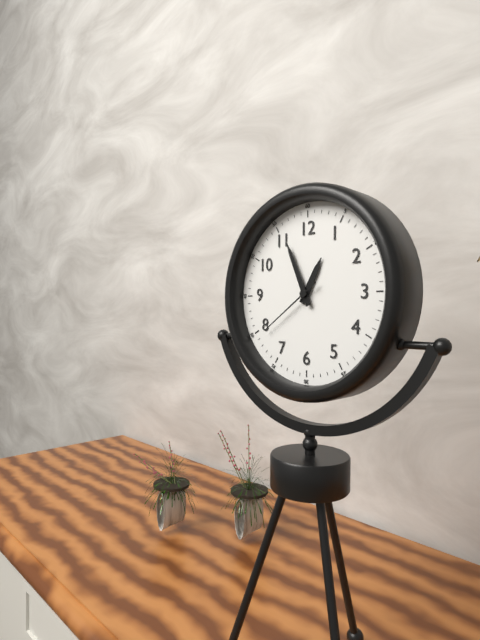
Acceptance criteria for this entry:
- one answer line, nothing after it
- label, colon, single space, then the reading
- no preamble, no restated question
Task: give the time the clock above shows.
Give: 12:56:39
